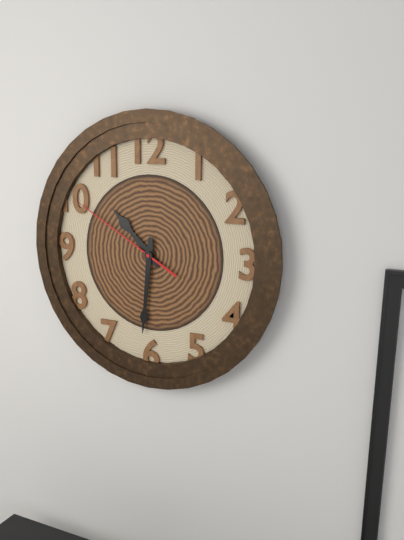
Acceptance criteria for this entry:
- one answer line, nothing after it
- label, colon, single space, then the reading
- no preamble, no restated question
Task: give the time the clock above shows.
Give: 10:31:50
